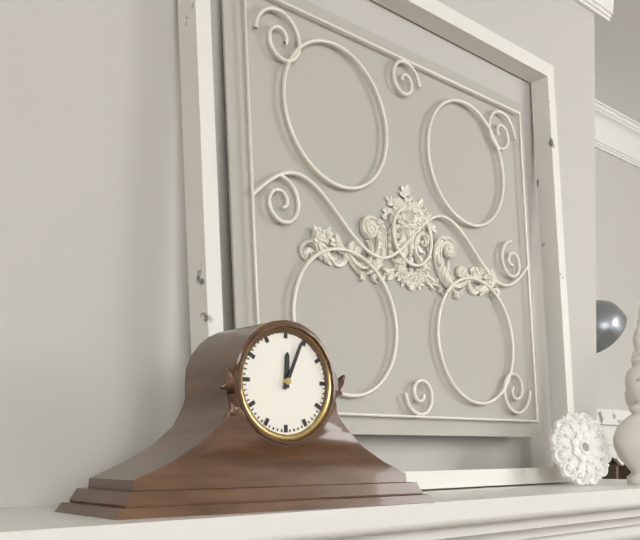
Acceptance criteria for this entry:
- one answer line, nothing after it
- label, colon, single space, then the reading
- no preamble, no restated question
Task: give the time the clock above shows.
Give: 12:04
